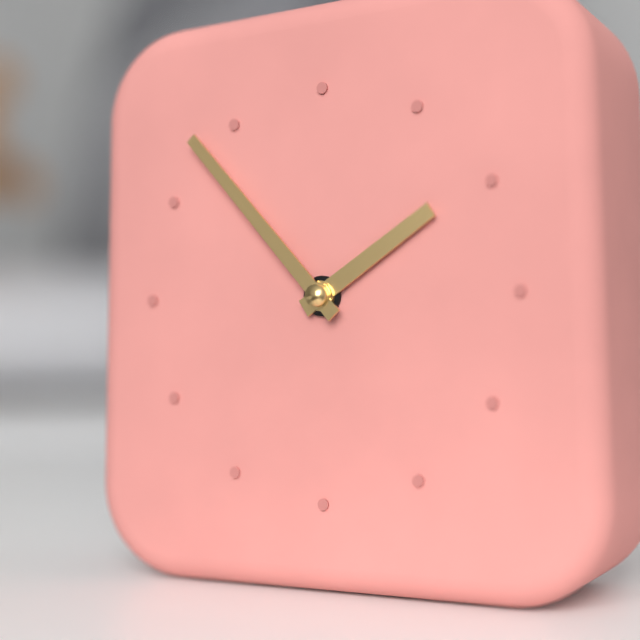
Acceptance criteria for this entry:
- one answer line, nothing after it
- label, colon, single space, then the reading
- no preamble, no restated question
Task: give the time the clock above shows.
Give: 1:53
